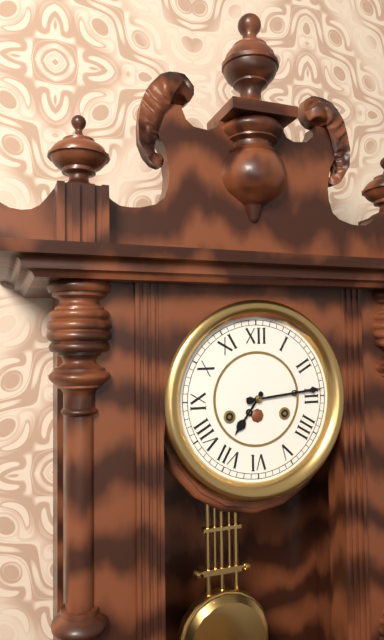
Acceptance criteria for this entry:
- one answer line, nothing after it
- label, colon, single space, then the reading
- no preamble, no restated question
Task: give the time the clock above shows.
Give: 7:14
